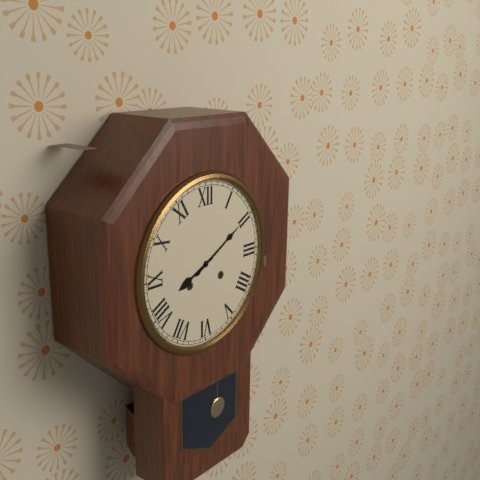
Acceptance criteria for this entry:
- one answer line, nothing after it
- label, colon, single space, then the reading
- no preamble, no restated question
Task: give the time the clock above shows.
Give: 8:10
